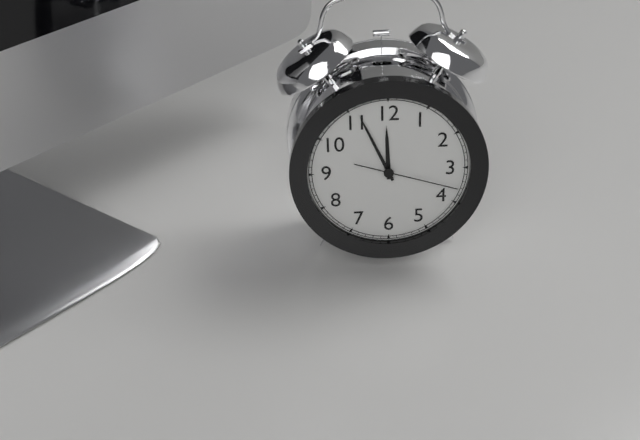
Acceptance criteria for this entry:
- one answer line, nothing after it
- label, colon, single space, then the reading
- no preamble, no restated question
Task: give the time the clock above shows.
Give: 11:56:18
